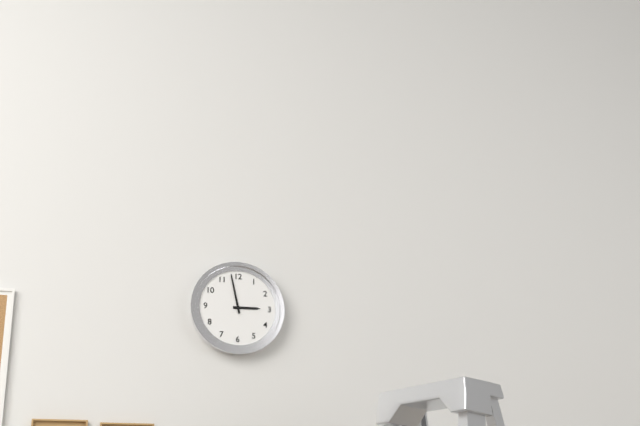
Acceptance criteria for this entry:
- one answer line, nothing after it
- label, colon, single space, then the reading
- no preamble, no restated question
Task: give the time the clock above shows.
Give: 2:58
